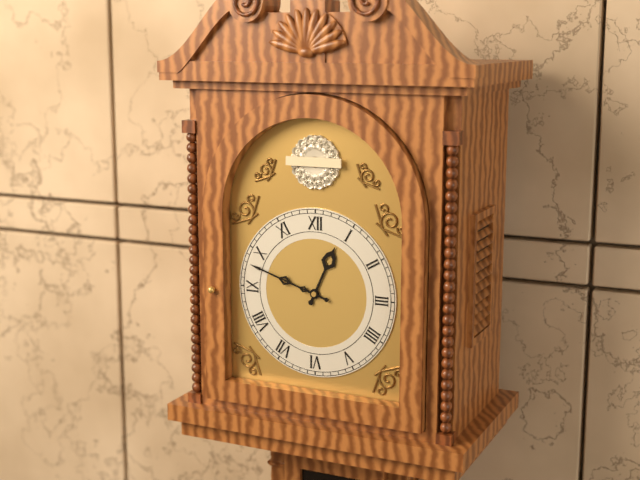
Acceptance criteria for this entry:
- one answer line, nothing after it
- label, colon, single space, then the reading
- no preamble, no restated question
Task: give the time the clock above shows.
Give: 12:48
